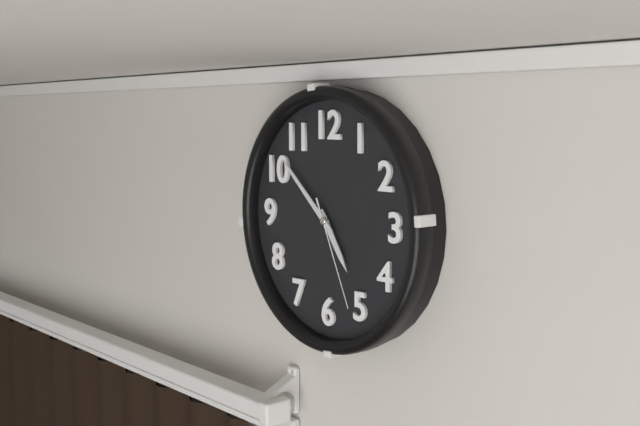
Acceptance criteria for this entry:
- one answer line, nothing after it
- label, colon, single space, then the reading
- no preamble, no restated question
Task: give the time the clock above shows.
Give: 4:52:26
